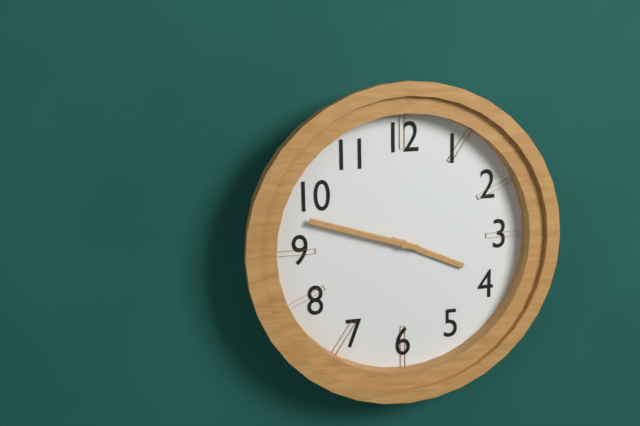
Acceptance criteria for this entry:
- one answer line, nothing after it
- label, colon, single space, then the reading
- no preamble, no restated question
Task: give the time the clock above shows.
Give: 3:48
